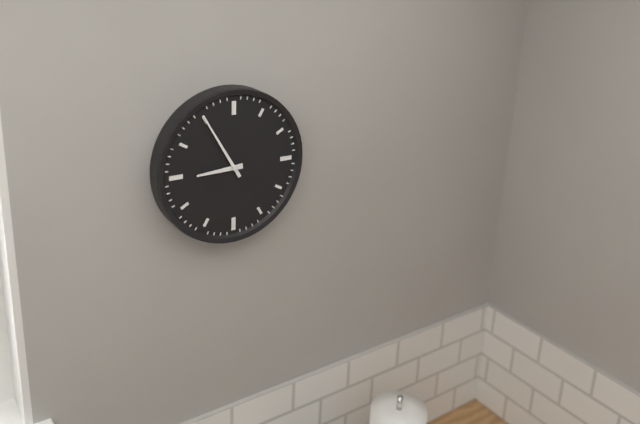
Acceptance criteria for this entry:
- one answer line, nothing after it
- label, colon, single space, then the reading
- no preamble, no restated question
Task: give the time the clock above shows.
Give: 8:55
